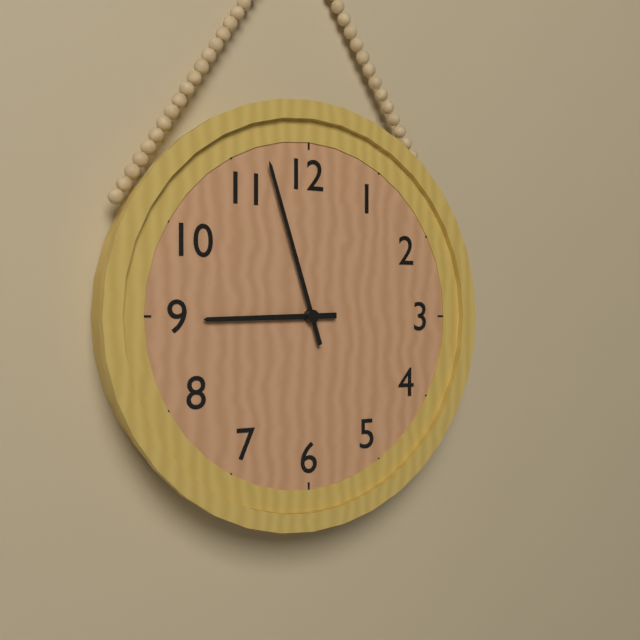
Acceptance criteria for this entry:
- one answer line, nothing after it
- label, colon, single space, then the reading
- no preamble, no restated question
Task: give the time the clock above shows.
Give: 8:57
